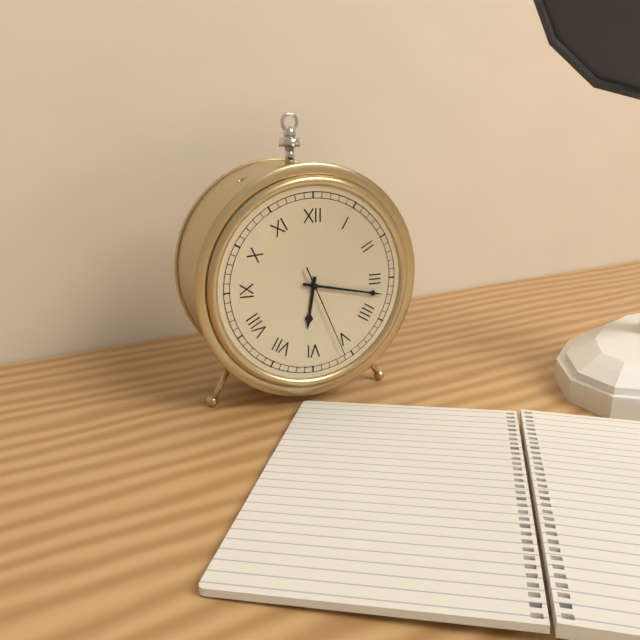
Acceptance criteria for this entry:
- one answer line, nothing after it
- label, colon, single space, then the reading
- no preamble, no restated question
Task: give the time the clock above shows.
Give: 6:17:26
